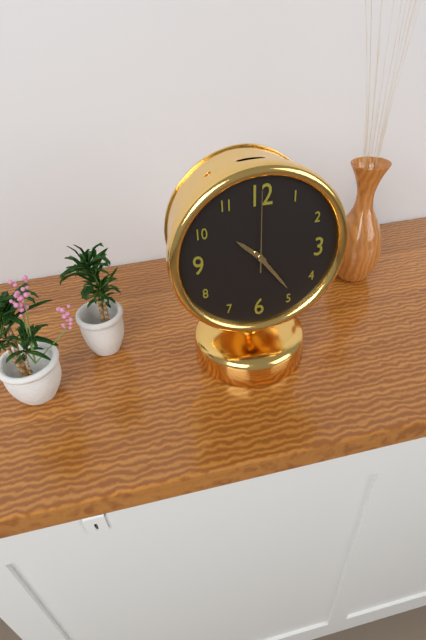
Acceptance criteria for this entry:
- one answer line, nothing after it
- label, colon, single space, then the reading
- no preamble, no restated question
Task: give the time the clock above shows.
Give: 10:24:00
